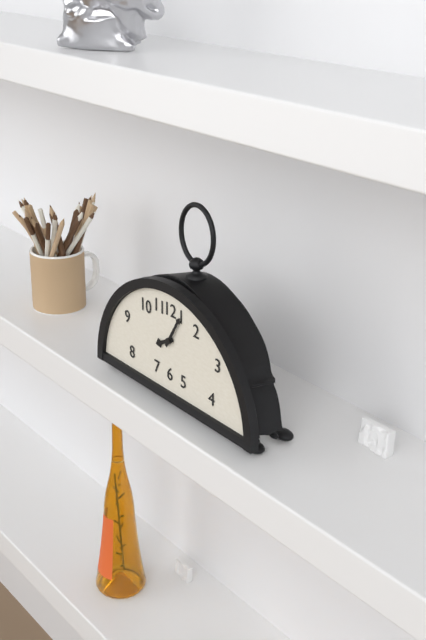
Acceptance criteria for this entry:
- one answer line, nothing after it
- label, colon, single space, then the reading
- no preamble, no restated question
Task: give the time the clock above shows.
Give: 8:05
